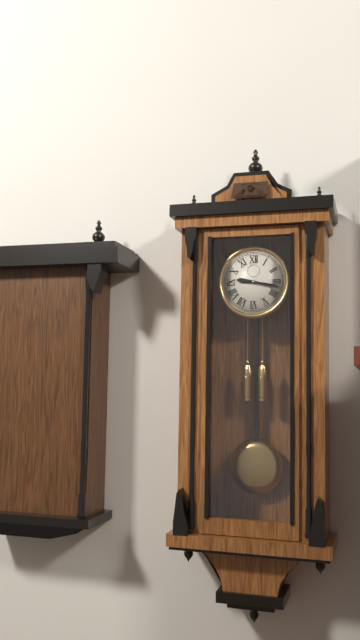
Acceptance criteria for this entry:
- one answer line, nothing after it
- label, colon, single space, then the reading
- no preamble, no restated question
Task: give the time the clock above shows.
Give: 9:17
